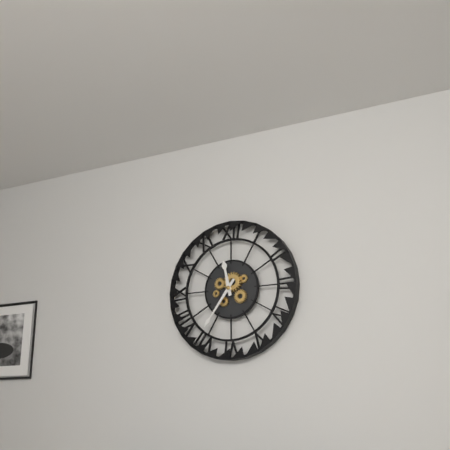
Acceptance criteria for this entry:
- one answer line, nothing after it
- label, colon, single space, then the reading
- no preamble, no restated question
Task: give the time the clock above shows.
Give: 11:36
